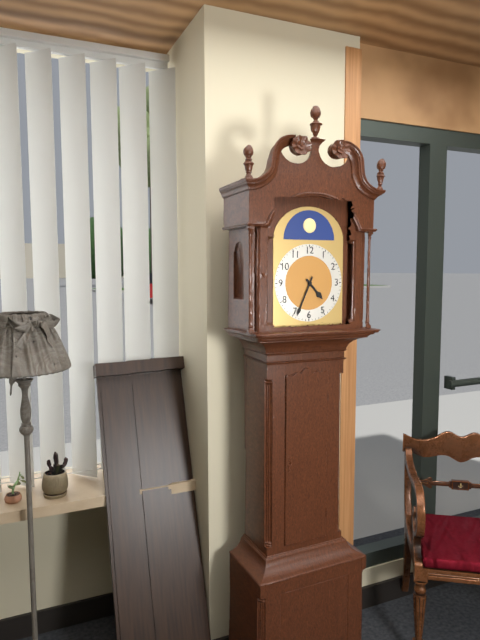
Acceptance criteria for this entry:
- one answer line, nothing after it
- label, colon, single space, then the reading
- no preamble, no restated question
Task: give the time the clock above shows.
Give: 4:34
